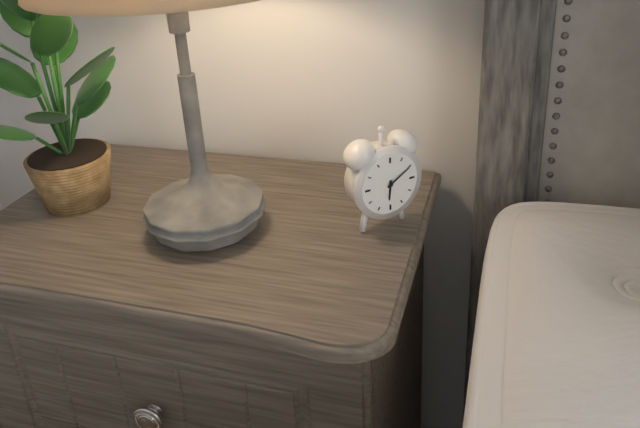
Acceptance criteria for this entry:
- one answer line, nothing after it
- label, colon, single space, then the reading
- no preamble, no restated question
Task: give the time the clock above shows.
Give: 6:10
